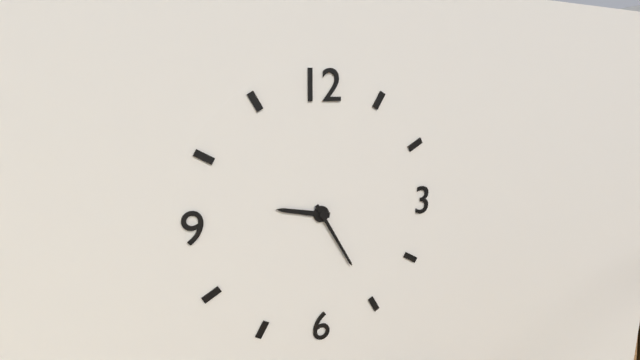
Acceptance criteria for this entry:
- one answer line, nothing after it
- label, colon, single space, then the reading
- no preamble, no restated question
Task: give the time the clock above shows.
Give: 9:25
